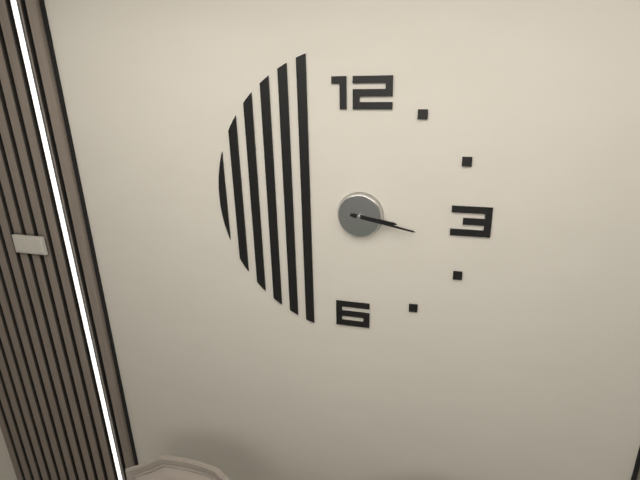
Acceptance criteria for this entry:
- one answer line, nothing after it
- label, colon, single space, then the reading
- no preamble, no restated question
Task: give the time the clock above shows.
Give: 3:17
